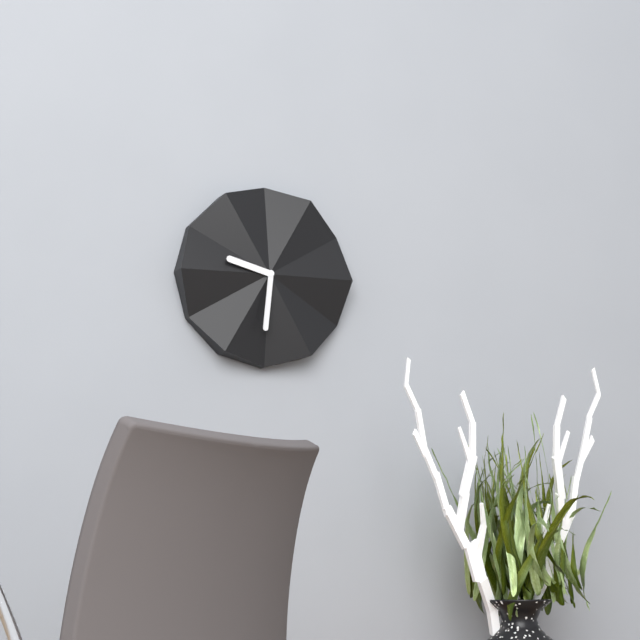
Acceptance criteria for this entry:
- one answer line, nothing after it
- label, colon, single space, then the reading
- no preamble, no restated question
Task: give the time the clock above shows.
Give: 9:31
